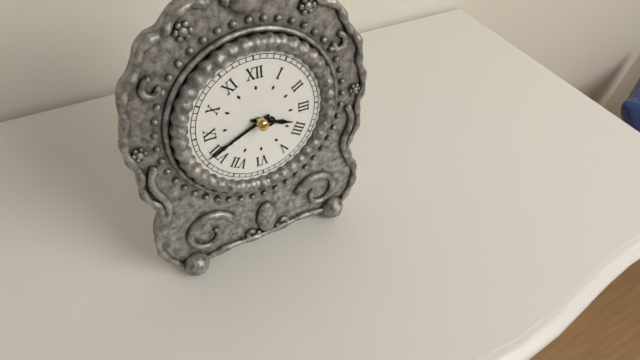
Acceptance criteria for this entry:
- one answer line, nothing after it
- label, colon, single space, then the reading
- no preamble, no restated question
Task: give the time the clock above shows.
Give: 3:41
